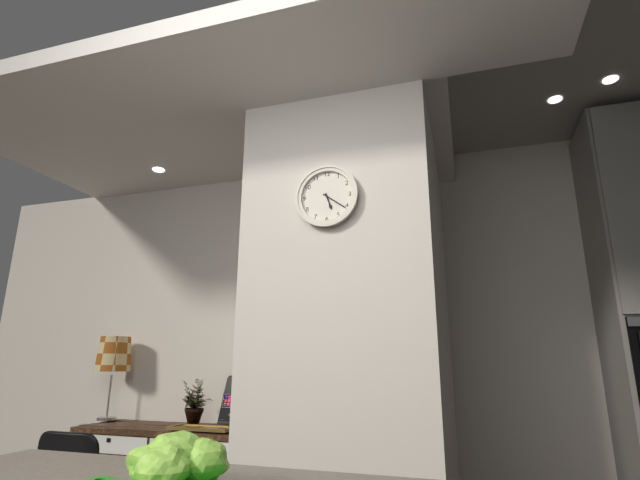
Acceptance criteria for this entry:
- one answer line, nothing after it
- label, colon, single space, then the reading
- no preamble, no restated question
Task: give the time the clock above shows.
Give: 5:21
